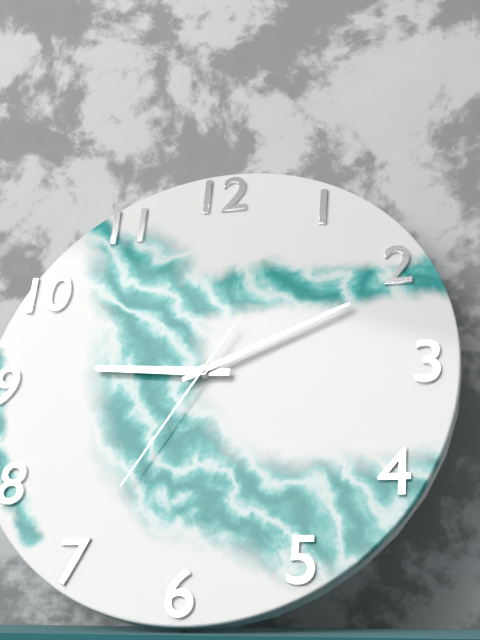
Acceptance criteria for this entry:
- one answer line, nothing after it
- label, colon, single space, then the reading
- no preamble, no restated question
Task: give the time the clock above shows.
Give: 9:11:35
